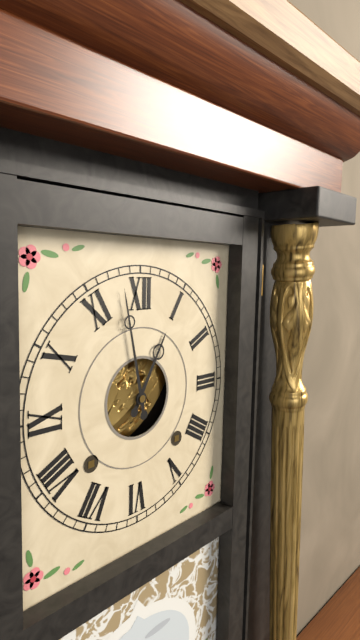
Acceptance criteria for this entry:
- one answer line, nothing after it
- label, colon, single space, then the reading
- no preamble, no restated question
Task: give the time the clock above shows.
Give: 12:58
